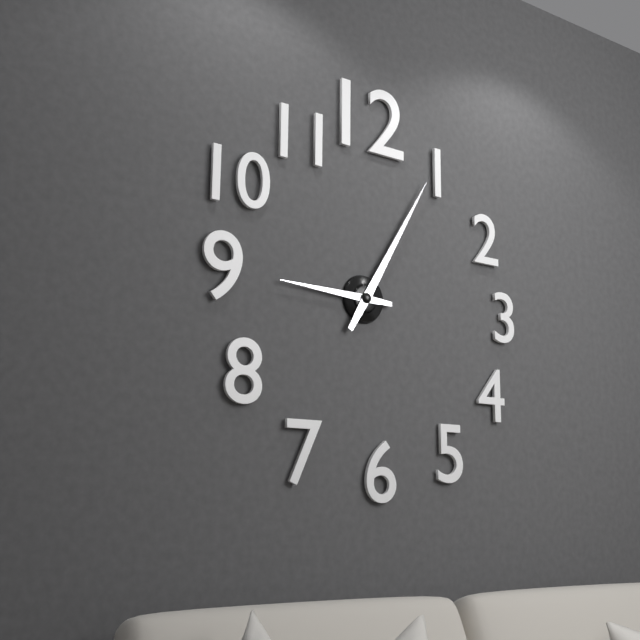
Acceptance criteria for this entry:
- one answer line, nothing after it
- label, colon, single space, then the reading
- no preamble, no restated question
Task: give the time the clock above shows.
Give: 9:05
